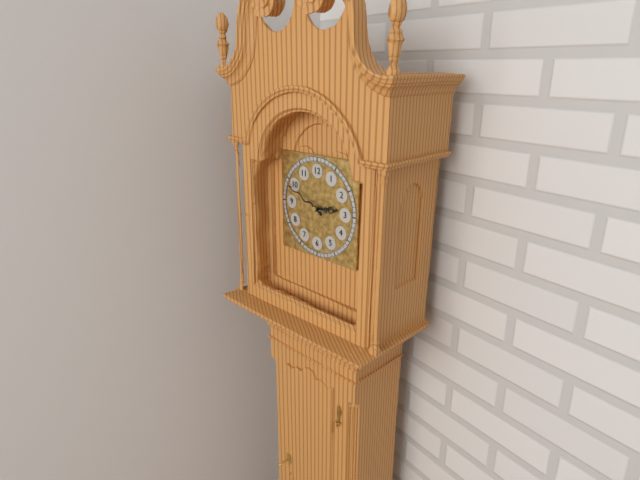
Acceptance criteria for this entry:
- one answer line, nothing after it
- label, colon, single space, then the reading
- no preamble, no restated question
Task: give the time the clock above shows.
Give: 2:49
